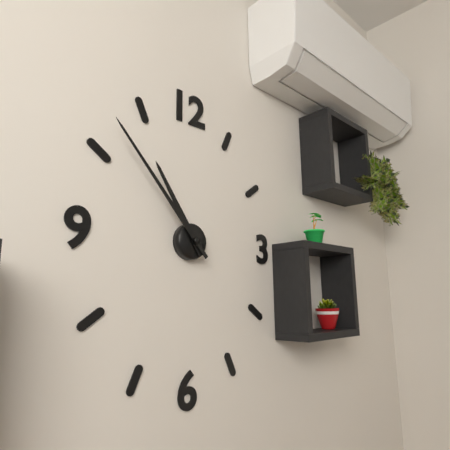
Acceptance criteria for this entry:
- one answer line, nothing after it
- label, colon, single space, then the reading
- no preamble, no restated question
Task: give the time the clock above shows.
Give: 10:53
